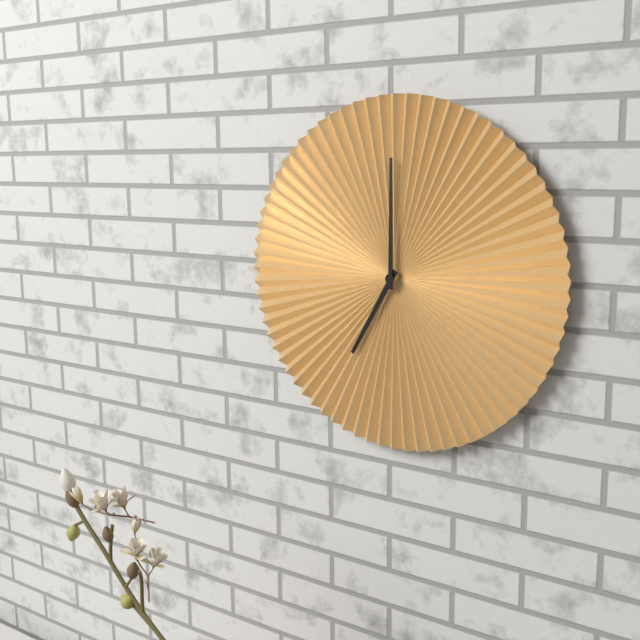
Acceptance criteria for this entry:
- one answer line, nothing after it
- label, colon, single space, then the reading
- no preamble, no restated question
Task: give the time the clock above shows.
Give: 7:00
